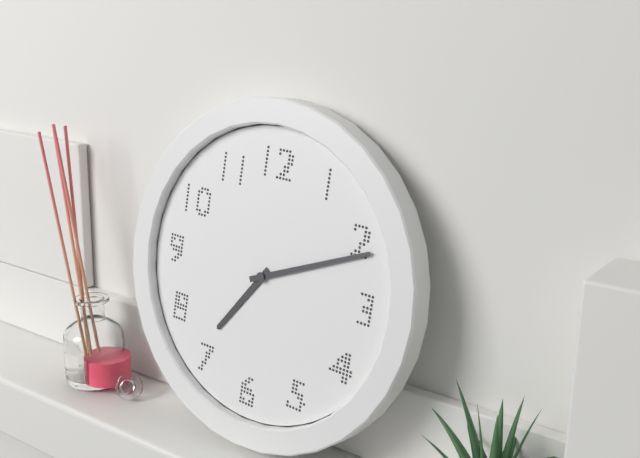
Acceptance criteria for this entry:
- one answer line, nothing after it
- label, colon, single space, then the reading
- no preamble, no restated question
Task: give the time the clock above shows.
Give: 7:11
